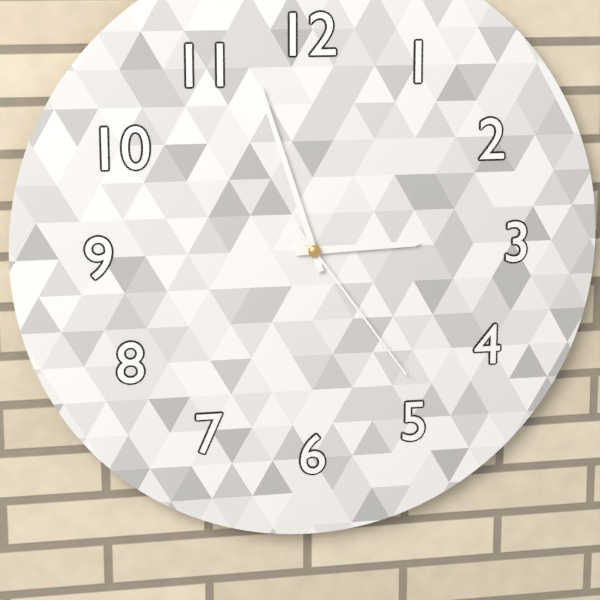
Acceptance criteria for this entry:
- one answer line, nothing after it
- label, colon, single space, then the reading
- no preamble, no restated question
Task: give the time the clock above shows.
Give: 2:57:24
